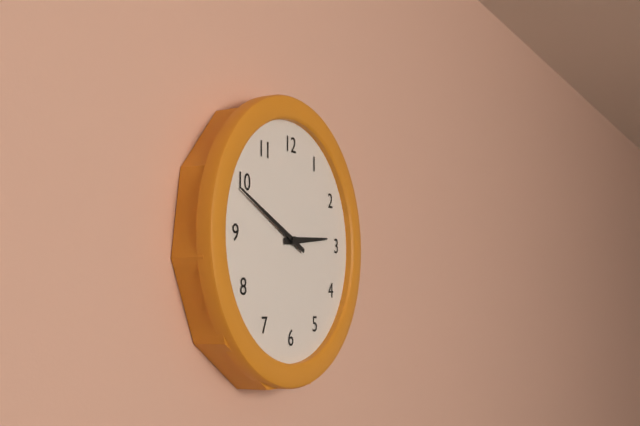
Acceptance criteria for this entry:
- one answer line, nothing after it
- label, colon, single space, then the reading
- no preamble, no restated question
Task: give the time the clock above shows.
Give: 2:49
